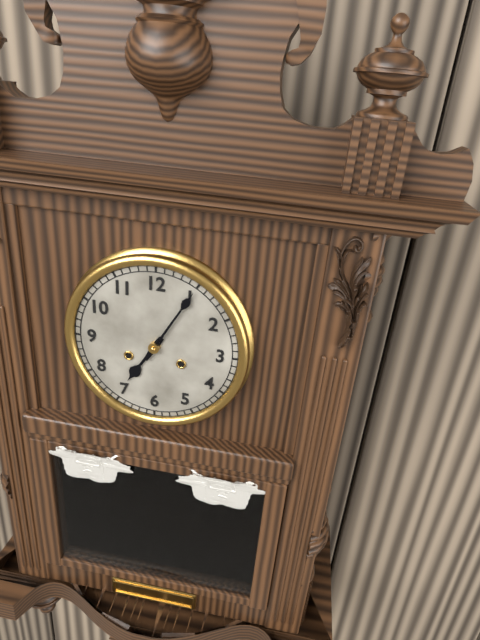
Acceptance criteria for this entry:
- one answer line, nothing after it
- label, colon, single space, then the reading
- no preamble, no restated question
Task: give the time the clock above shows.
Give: 7:05
